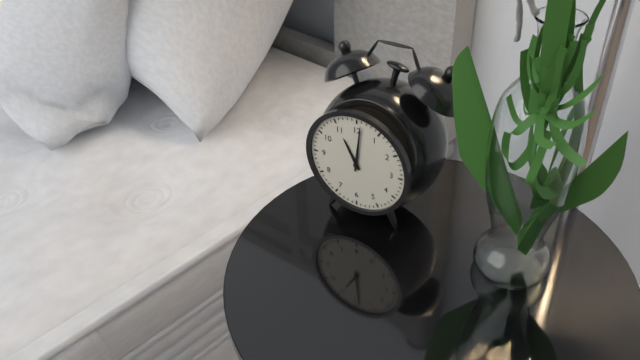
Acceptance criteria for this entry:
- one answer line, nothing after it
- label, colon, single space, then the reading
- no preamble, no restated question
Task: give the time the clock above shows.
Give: 11:01
